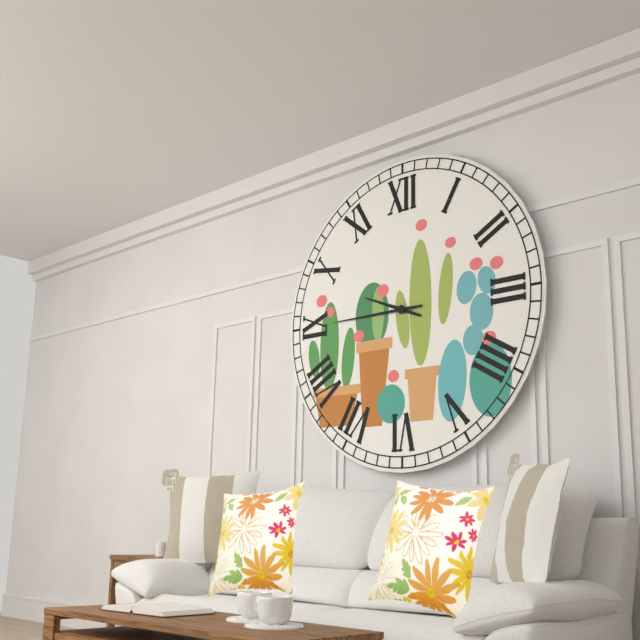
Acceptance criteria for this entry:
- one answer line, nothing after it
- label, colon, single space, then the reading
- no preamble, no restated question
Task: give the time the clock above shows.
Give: 9:45
